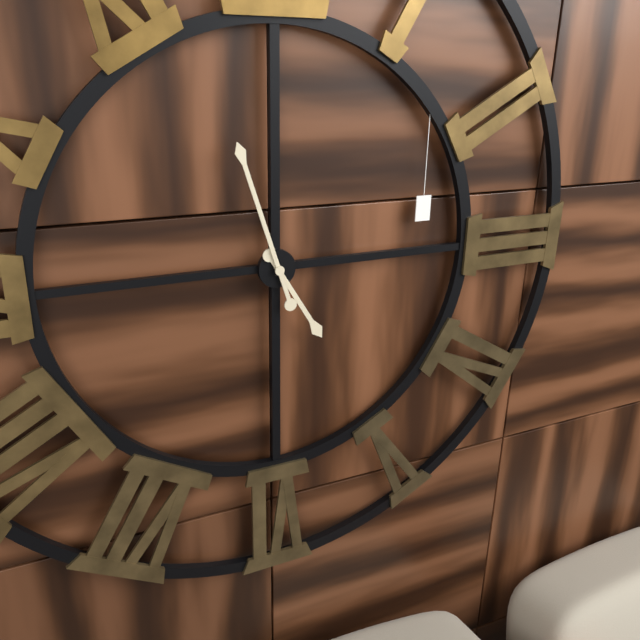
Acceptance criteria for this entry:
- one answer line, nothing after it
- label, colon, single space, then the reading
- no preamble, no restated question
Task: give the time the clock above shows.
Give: 4:57
